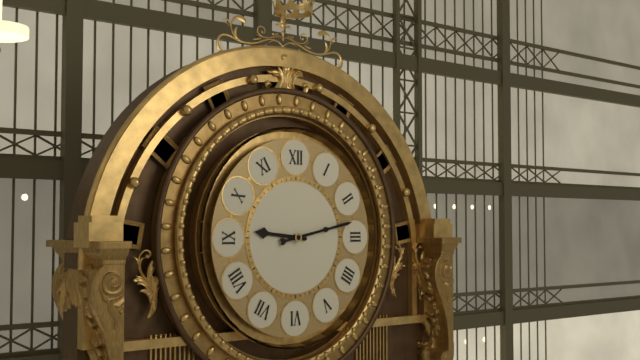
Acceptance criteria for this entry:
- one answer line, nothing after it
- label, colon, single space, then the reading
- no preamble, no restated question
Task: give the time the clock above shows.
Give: 9:13
